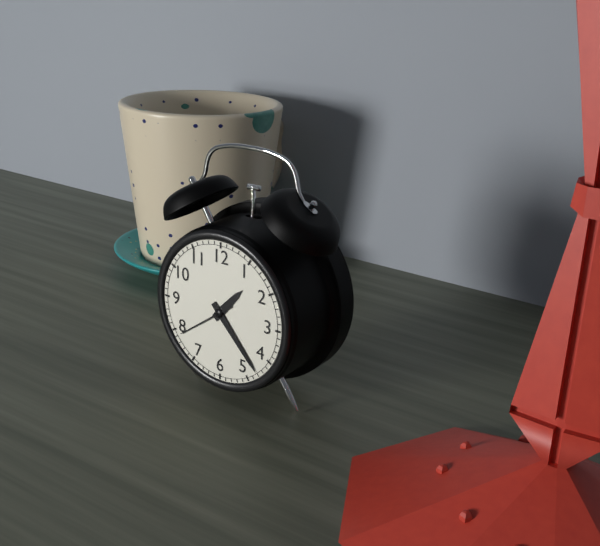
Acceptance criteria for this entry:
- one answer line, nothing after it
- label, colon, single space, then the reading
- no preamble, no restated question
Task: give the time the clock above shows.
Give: 1:23:39
